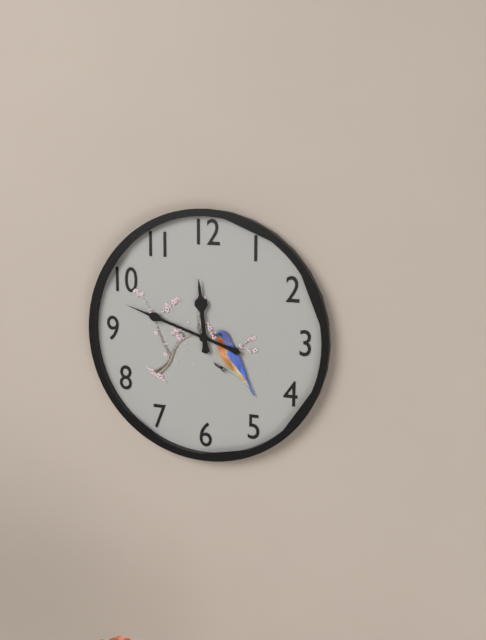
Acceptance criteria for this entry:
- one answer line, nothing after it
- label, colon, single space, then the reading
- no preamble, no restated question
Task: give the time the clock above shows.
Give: 11:48
